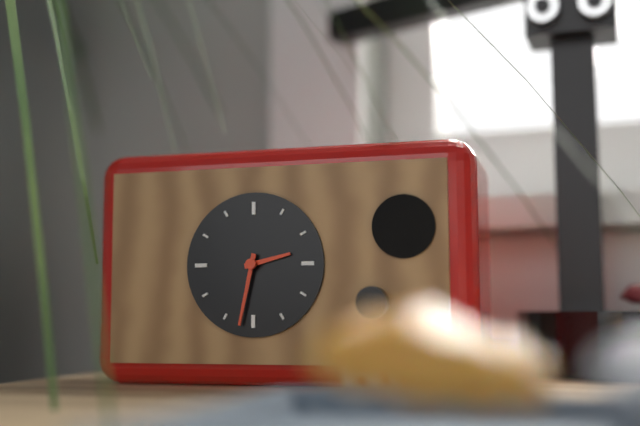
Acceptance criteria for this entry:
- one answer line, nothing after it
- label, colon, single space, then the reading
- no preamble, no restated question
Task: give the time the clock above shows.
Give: 2:32
